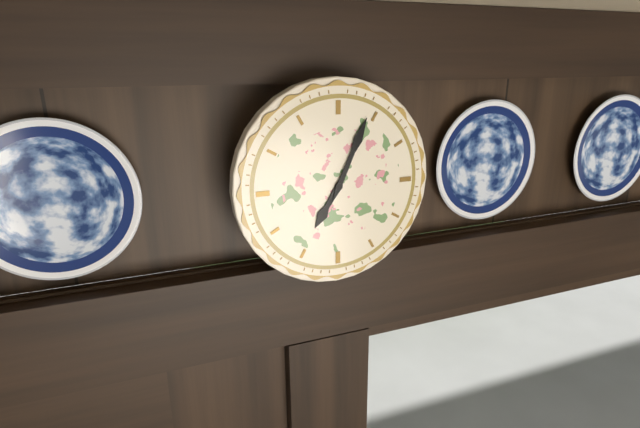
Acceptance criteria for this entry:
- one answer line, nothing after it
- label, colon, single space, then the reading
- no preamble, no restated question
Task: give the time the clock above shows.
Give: 7:04
